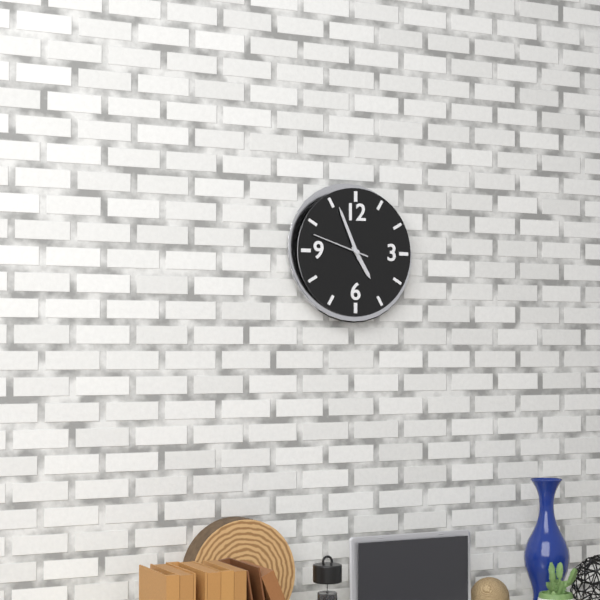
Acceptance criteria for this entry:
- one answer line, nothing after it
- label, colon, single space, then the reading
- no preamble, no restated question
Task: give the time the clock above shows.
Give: 4:56:48
